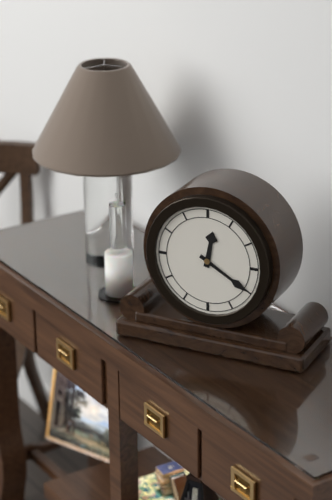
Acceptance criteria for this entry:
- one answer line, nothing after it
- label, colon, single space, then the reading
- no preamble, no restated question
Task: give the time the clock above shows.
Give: 12:20
